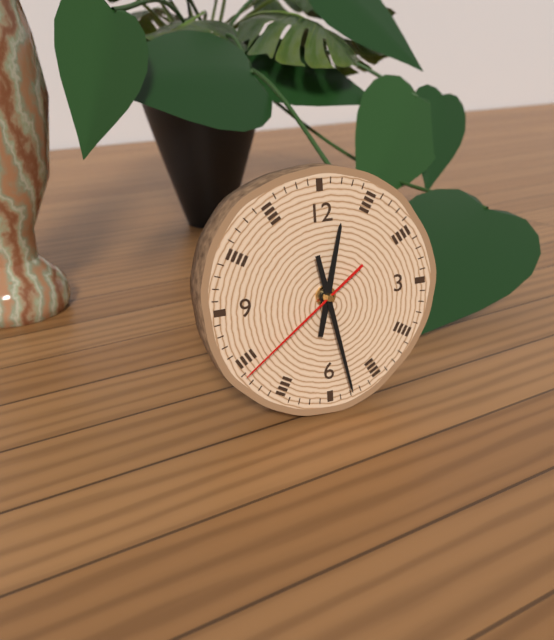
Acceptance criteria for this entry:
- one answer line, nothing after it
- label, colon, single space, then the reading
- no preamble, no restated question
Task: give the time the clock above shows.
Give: 12:28:39
